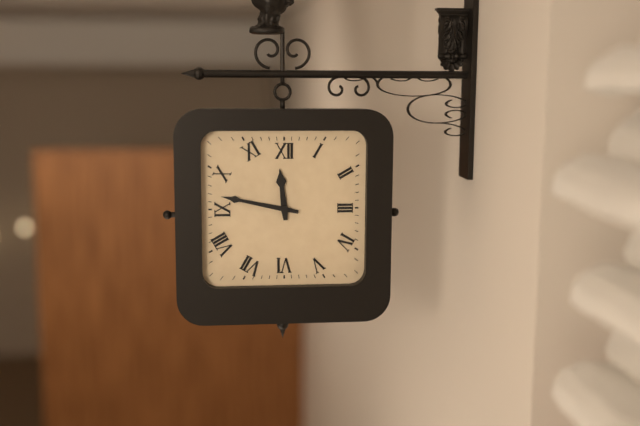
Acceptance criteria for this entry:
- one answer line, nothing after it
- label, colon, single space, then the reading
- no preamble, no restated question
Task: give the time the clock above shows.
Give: 11:47
